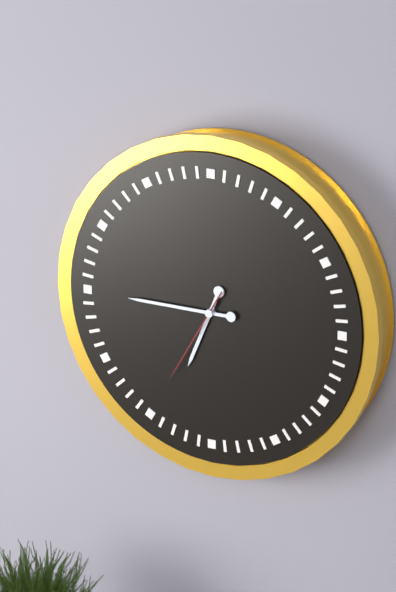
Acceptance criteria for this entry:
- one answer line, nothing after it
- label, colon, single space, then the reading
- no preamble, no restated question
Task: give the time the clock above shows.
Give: 6:45:35
